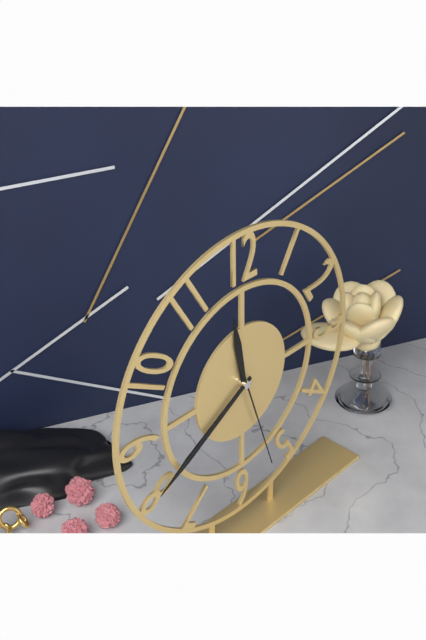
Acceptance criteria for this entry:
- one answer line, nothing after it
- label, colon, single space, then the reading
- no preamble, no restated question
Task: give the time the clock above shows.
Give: 11:40:27
